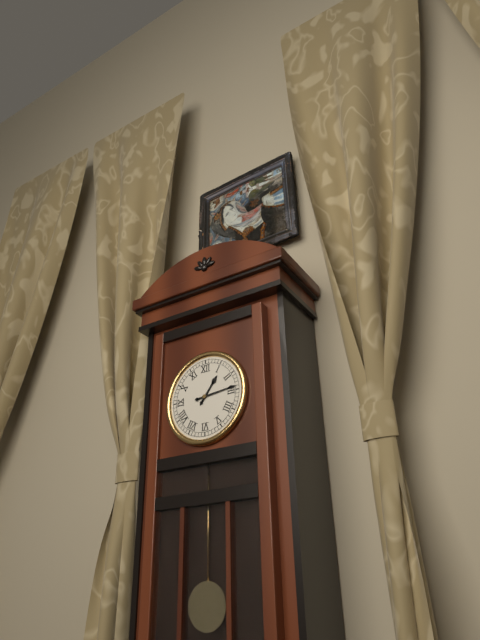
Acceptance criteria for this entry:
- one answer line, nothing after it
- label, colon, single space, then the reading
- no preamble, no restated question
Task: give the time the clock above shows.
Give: 1:14
